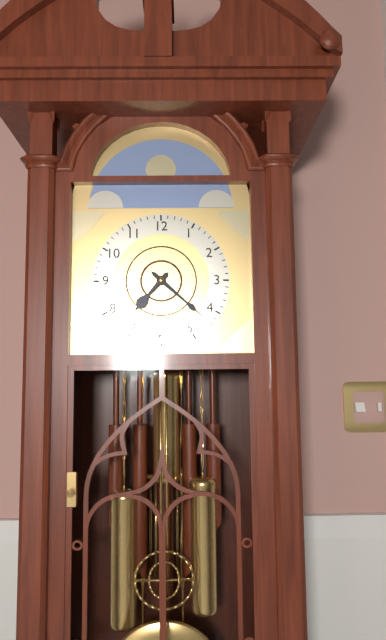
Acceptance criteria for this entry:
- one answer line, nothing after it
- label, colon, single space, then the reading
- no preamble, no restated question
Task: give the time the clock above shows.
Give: 7:22
